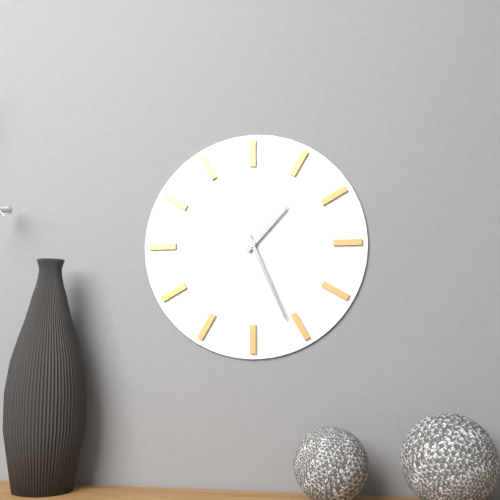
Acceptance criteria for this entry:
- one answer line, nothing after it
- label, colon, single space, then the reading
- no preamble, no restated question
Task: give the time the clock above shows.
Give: 1:26
